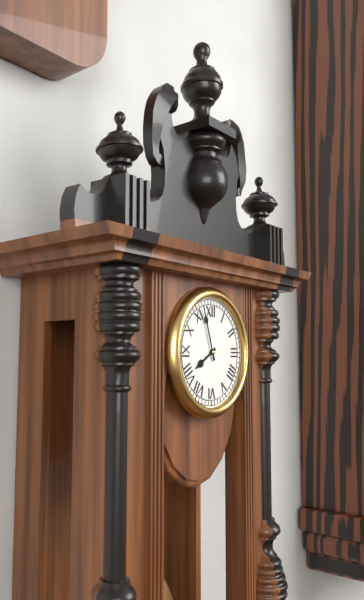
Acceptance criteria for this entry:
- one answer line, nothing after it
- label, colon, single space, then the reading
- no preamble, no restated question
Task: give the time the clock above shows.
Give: 7:57
